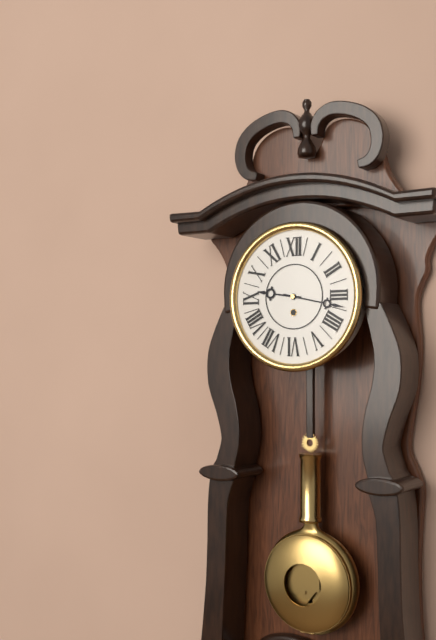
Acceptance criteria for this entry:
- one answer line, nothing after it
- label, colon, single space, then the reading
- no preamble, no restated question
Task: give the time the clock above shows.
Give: 9:17
